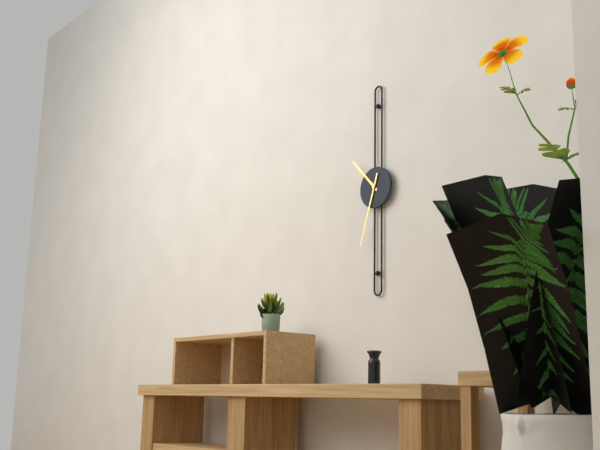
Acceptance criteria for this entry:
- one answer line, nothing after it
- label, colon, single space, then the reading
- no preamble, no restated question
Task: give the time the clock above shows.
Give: 10:33
